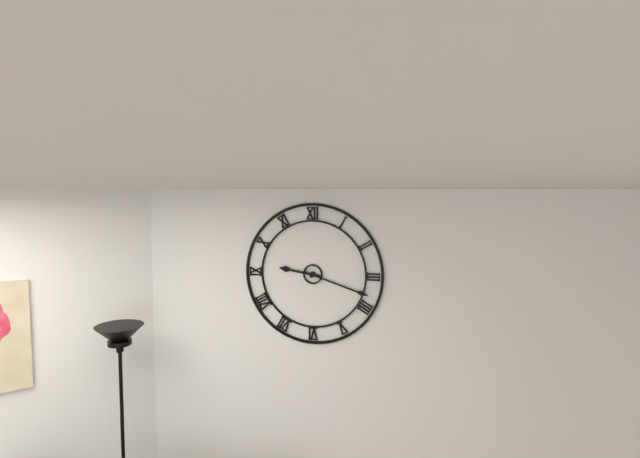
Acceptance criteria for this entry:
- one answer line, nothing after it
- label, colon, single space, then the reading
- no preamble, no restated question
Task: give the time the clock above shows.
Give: 9:18
